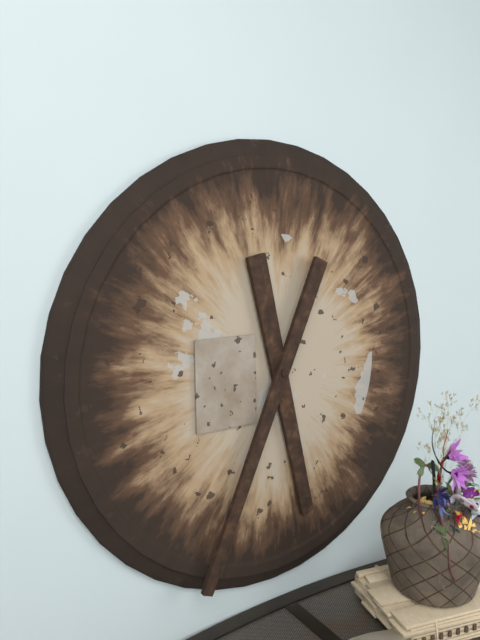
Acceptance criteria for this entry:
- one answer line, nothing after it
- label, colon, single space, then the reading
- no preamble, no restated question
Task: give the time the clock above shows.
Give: 5:34
